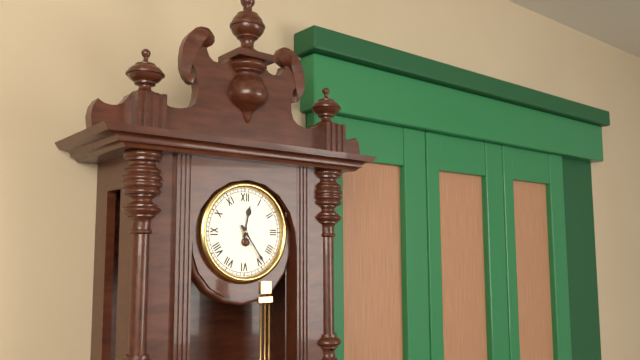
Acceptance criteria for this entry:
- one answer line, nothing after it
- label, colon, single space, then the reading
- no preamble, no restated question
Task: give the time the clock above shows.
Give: 12:24
